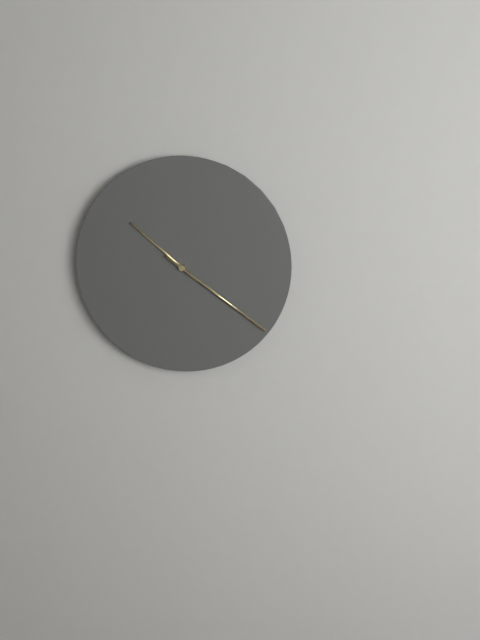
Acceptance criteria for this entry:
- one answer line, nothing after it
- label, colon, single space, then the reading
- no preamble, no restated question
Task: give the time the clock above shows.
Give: 10:21
